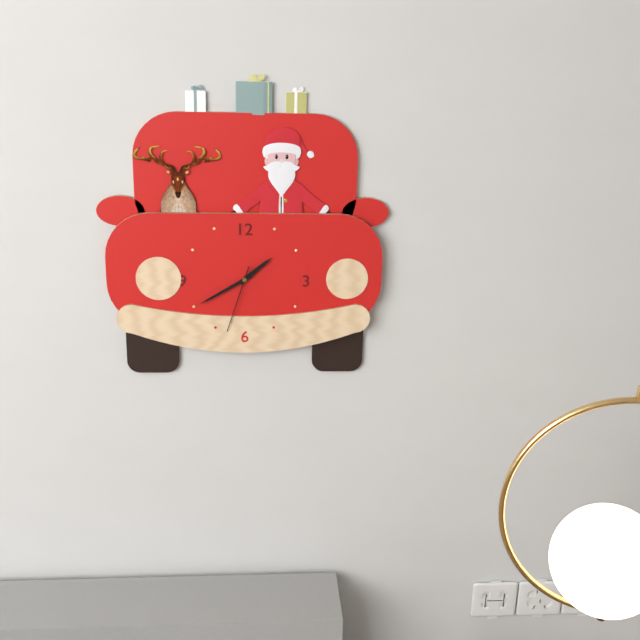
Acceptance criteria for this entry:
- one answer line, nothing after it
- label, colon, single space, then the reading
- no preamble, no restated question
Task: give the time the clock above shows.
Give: 1:40:33
